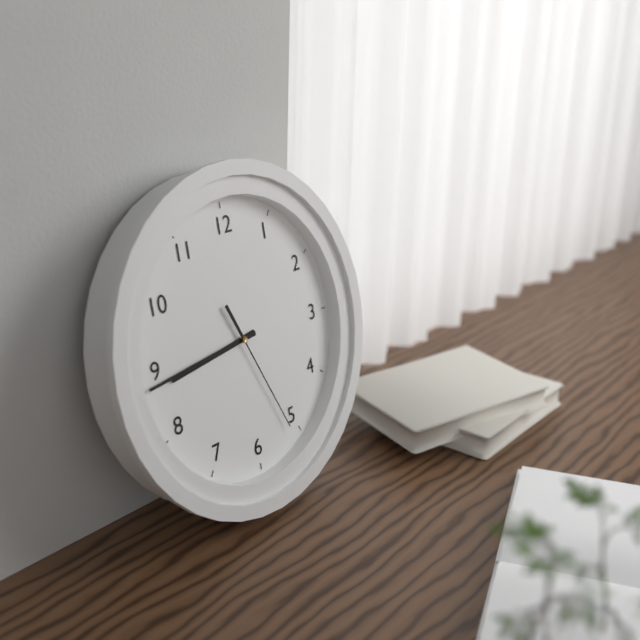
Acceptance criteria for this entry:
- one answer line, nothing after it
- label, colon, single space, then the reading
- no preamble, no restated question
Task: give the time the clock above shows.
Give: 8:44:26
